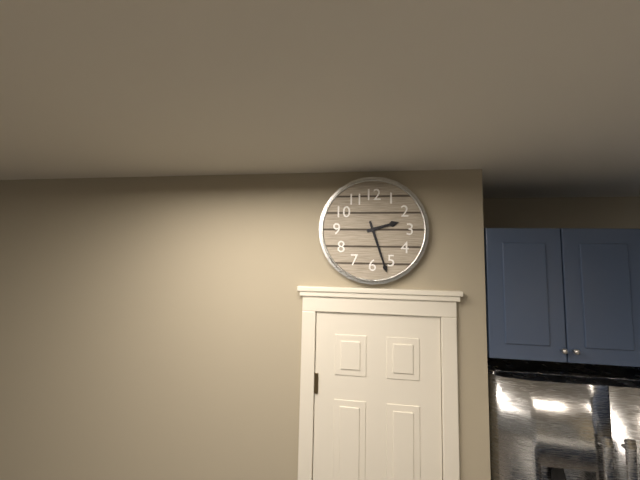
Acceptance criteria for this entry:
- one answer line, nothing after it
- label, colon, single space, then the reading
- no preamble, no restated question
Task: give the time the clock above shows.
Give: 2:27
